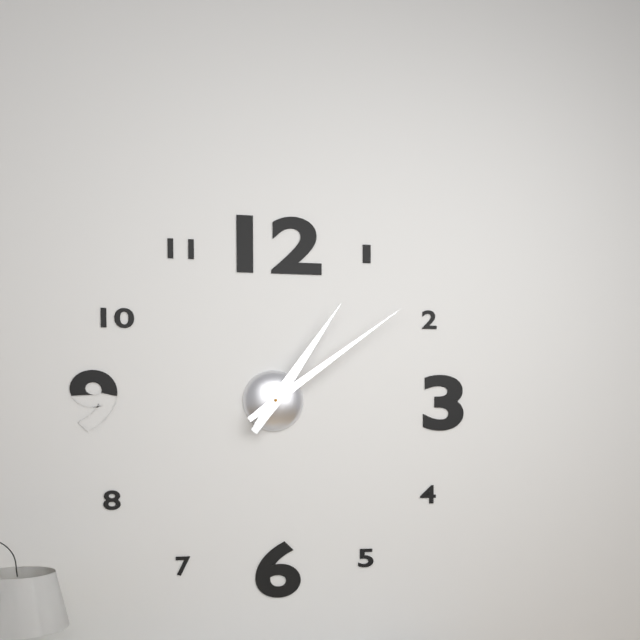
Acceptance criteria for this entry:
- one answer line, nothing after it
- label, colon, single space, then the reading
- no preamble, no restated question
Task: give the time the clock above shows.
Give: 1:09
